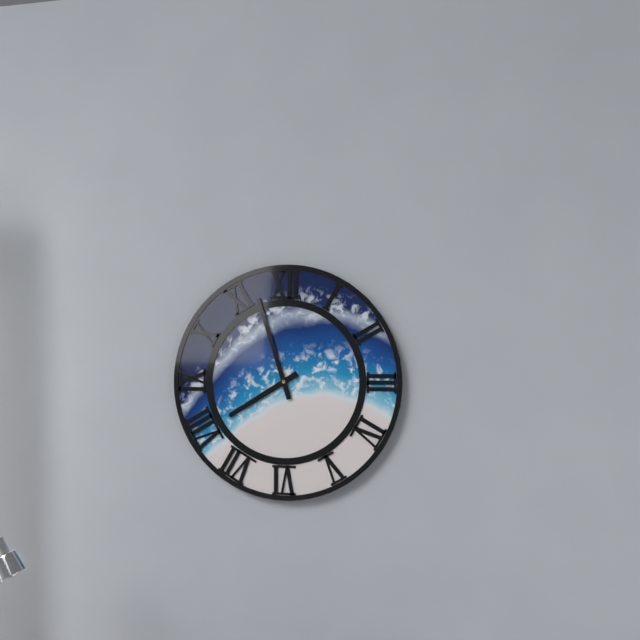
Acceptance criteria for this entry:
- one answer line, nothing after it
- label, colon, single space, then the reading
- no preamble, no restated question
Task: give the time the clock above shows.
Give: 7:57
